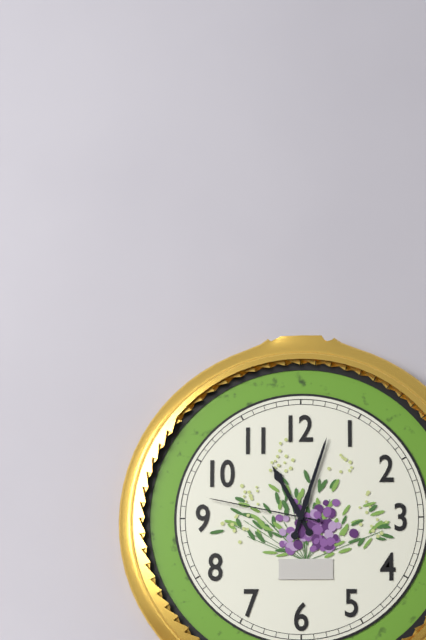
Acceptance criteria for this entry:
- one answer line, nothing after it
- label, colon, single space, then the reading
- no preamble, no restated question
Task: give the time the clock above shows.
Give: 11:03:47
